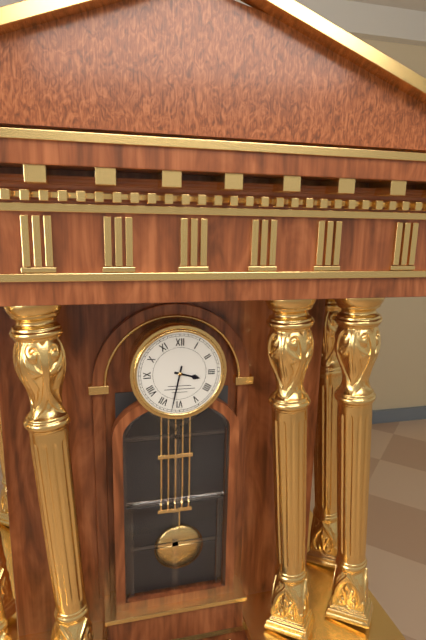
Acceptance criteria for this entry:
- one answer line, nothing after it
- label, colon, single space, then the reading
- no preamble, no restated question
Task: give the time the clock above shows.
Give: 3:32
